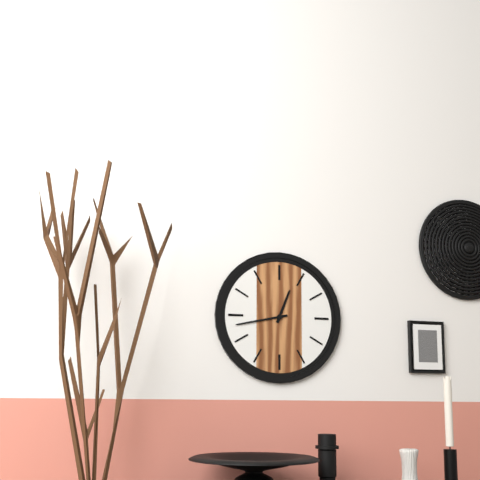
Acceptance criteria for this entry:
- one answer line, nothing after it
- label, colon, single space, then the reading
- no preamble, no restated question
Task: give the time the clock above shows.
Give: 12:43
